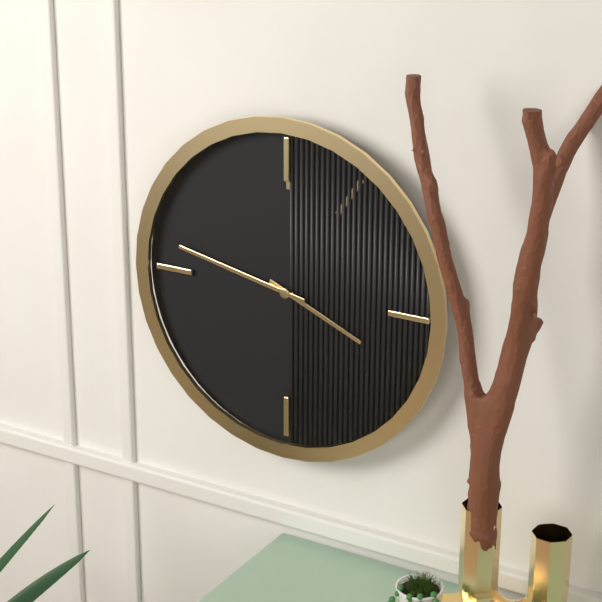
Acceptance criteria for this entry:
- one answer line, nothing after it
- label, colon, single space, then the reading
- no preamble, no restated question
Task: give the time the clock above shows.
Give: 3:47
